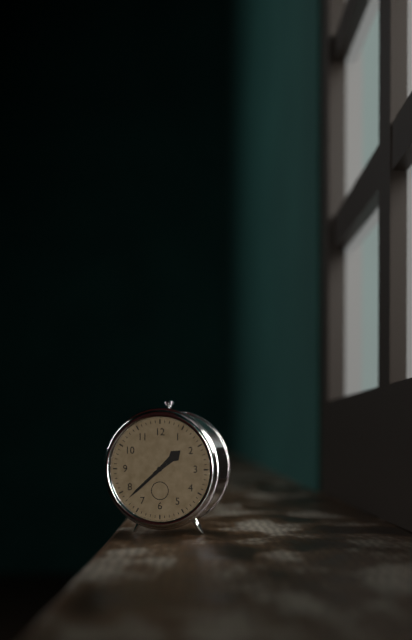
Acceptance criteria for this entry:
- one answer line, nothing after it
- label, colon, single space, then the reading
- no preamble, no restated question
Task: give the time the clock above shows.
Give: 1:38
